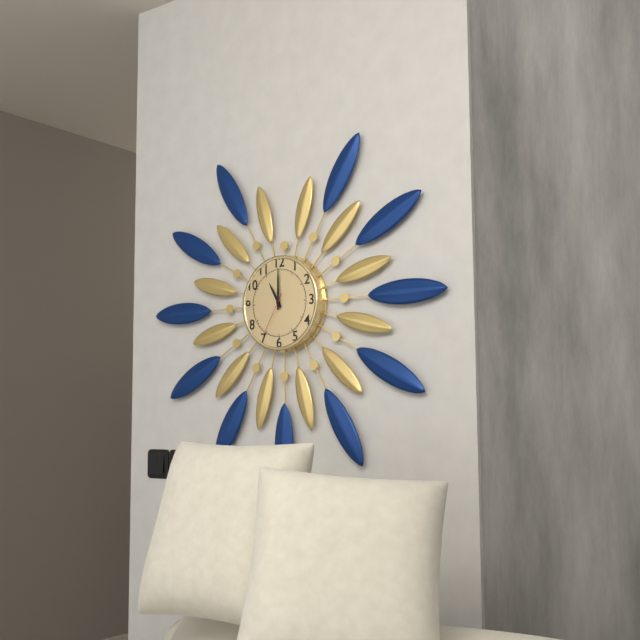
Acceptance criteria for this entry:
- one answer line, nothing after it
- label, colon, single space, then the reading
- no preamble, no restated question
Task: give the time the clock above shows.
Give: 11:00
